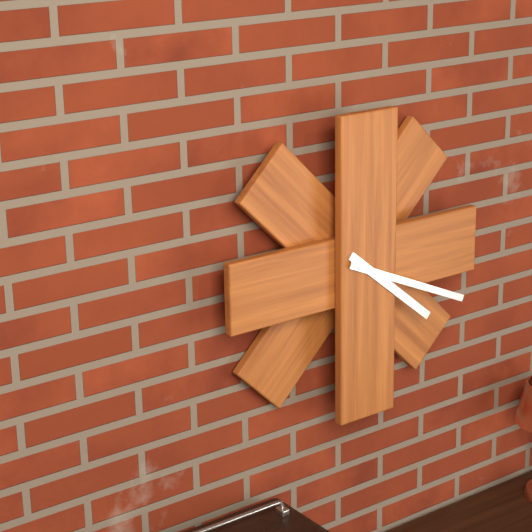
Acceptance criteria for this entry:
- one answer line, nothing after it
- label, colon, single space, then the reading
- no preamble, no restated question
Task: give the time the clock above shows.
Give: 4:19
